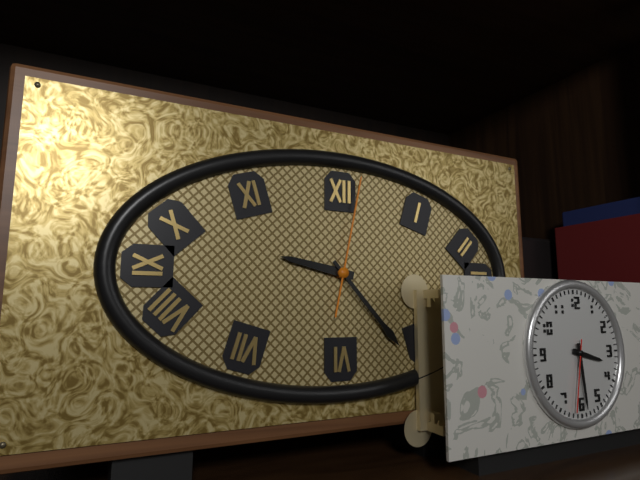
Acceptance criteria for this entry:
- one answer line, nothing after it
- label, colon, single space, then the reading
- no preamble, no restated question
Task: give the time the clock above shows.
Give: 9:23:02
